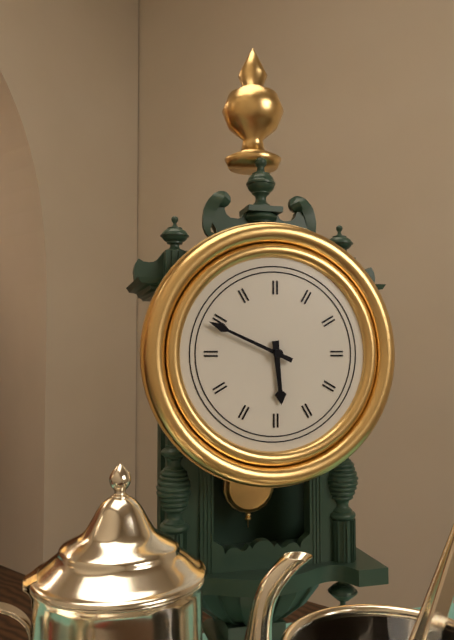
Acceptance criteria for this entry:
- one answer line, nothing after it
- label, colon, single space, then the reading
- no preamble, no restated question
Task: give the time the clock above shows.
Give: 5:49
